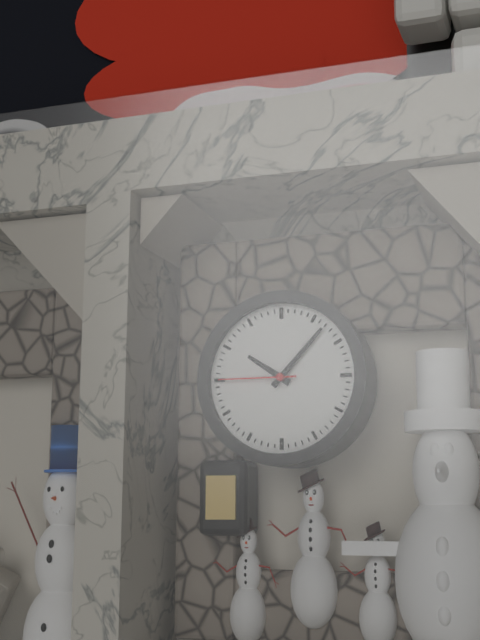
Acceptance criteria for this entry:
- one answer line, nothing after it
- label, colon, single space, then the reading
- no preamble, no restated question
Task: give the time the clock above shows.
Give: 10:07:45
